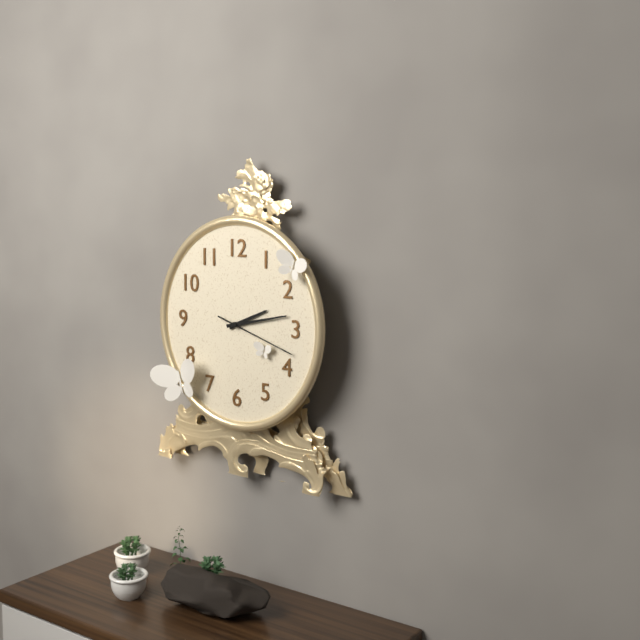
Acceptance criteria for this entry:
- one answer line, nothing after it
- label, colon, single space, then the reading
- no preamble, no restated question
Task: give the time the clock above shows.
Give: 2:13:18
